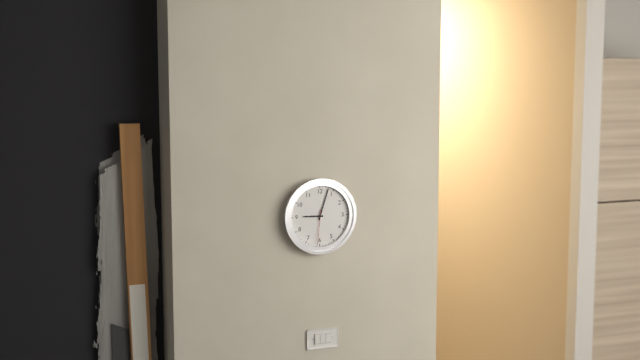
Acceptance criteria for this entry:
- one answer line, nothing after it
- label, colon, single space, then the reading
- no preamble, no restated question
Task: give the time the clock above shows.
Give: 9:03
